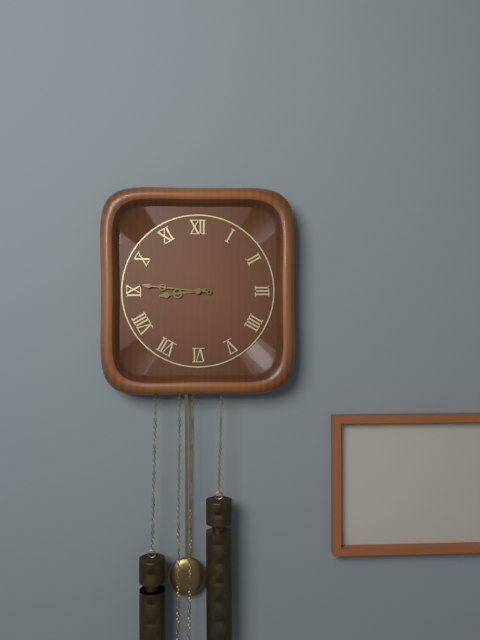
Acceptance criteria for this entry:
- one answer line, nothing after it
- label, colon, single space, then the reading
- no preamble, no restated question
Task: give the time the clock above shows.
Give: 8:46
